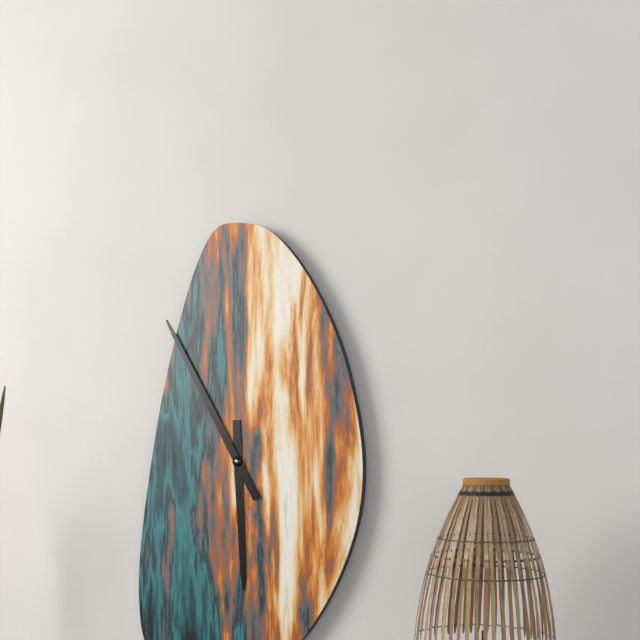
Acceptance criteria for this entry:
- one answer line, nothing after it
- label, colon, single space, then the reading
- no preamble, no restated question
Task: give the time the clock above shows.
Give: 5:55
